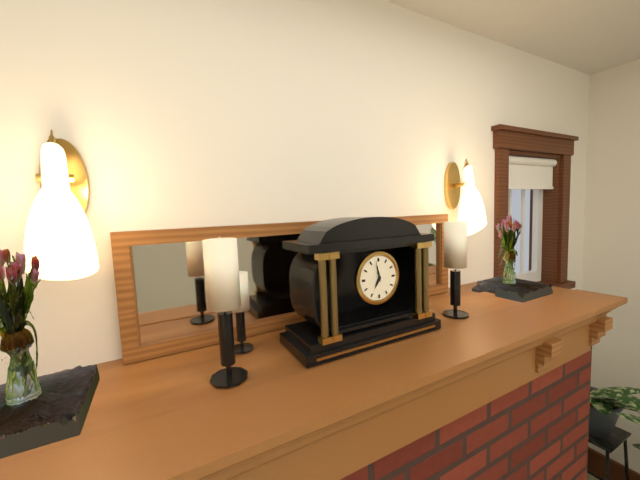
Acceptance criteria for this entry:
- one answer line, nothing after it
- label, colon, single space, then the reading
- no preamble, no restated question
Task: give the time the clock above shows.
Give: 6:58
